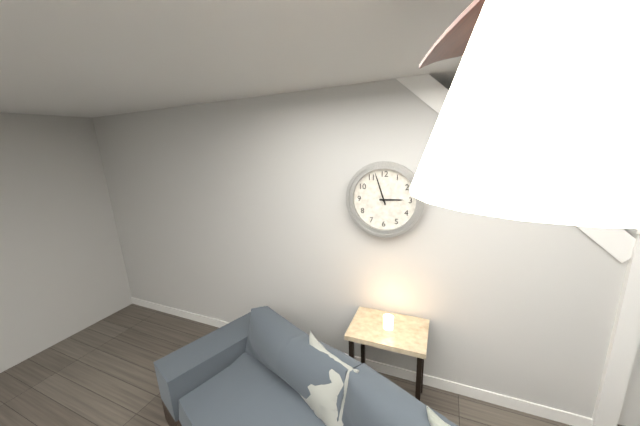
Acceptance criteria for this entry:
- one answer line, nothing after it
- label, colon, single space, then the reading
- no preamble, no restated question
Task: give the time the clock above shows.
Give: 2:57
